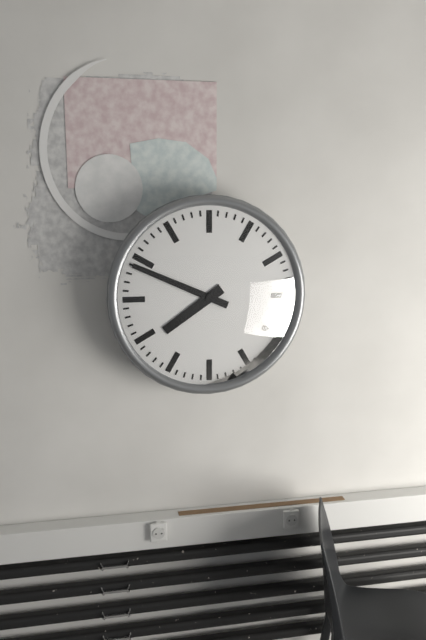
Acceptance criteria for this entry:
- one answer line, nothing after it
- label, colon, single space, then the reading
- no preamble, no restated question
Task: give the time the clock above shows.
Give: 7:49
